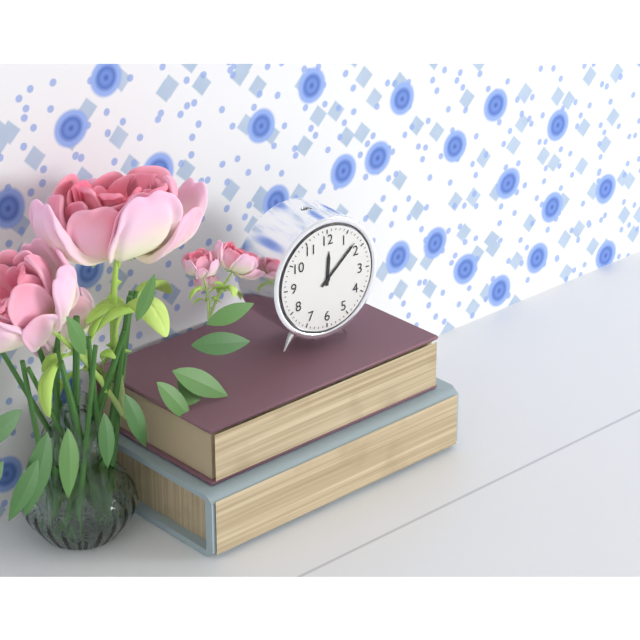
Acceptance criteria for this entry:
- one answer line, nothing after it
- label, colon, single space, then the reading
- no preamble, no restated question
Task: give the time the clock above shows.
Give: 12:08
